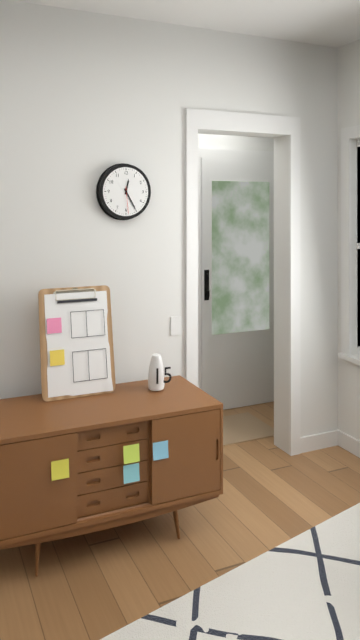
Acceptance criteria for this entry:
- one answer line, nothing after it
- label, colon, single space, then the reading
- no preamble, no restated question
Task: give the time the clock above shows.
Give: 12:25
